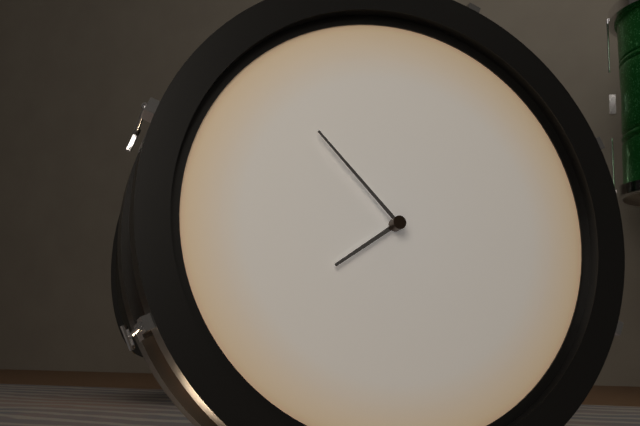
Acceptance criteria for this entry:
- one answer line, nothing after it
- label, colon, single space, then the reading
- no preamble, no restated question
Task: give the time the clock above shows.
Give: 7:53
